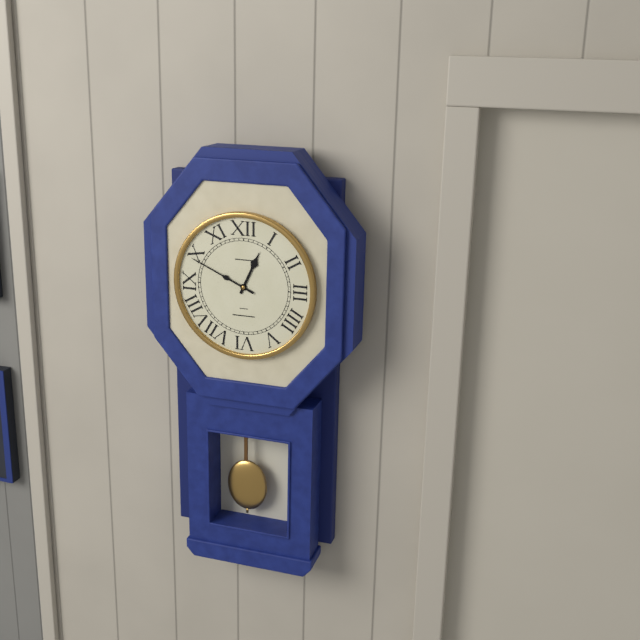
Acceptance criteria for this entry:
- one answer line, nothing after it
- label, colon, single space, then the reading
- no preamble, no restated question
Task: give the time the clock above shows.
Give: 12:49
